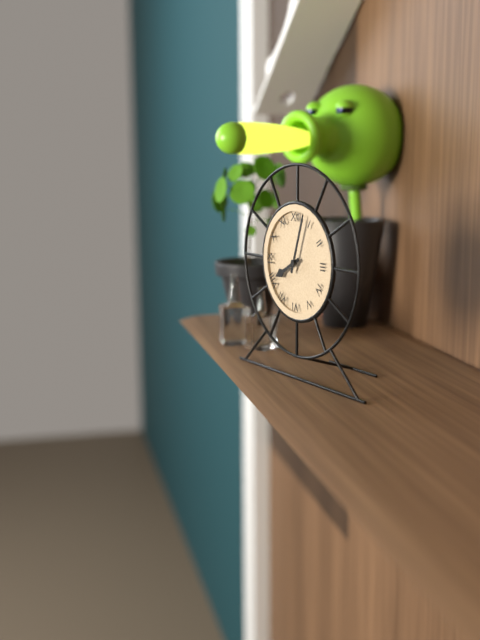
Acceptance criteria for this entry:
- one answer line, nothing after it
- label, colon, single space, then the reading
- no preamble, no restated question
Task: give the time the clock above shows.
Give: 8:03
